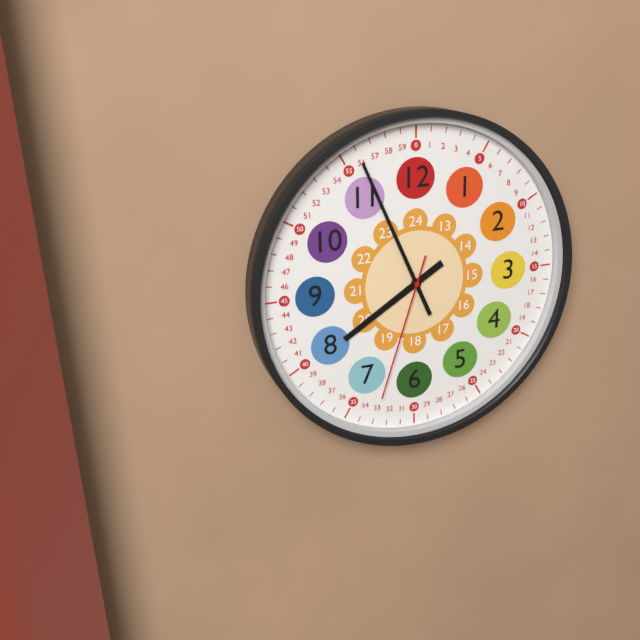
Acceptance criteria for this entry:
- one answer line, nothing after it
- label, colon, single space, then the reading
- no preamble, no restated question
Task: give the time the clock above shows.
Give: 7:56:33
